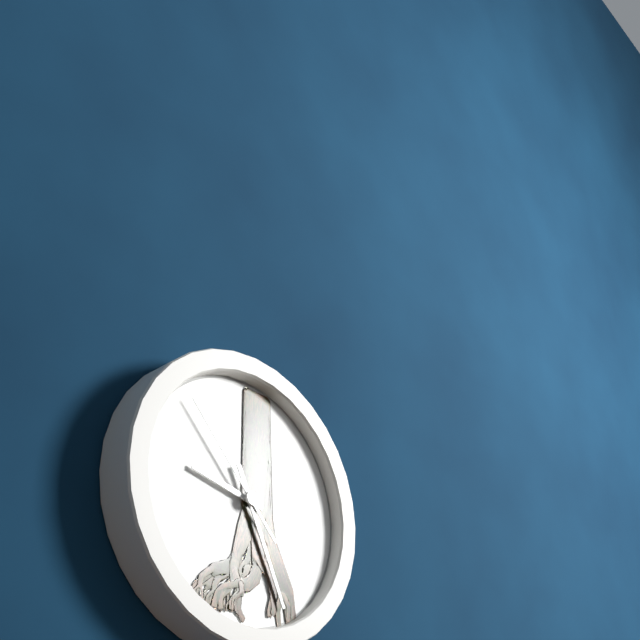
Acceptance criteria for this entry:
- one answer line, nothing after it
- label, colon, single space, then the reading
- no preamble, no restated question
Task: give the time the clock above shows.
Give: 9:26:53
